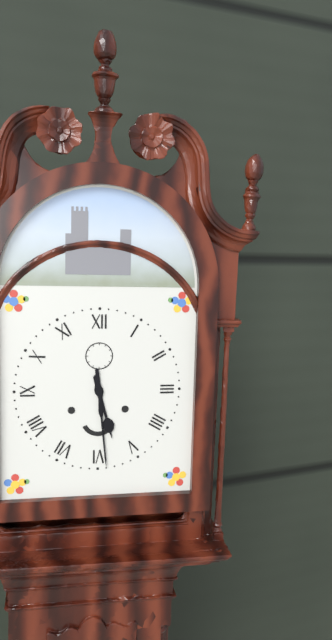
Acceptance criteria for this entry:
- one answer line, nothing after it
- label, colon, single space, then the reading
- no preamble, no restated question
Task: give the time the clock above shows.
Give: 5:29
